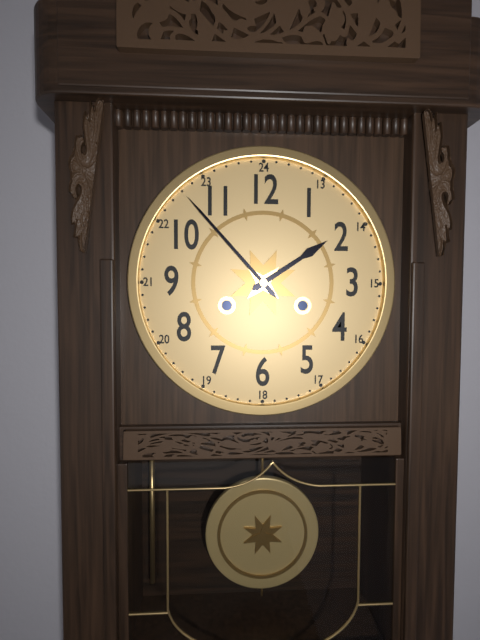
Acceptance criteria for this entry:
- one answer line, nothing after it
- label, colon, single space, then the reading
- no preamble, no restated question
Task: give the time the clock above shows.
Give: 1:53
